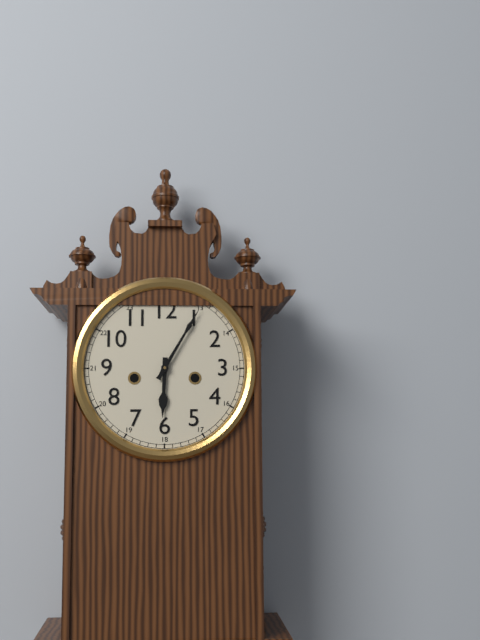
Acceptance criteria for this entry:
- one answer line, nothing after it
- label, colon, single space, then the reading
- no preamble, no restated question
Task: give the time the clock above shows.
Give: 6:05
